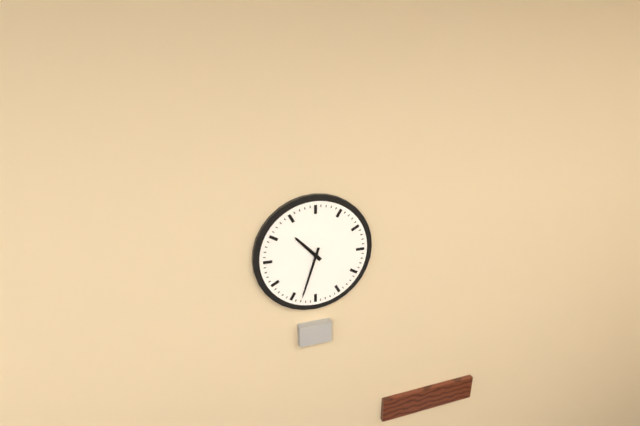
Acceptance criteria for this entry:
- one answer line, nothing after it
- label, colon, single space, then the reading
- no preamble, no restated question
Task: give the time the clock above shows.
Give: 10:33
